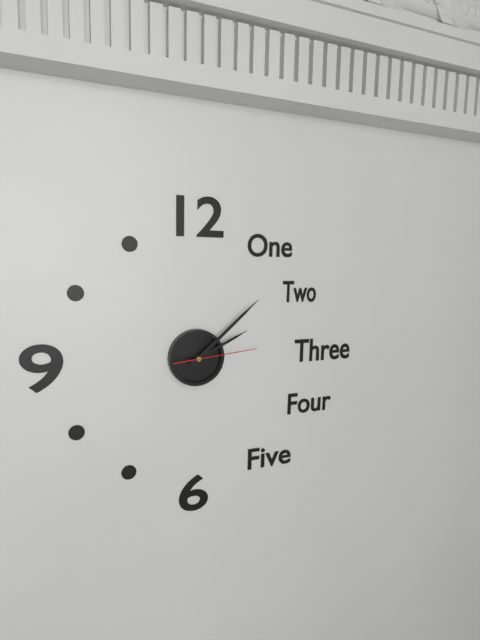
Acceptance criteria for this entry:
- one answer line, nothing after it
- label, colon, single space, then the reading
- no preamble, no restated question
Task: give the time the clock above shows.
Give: 2:08:14
